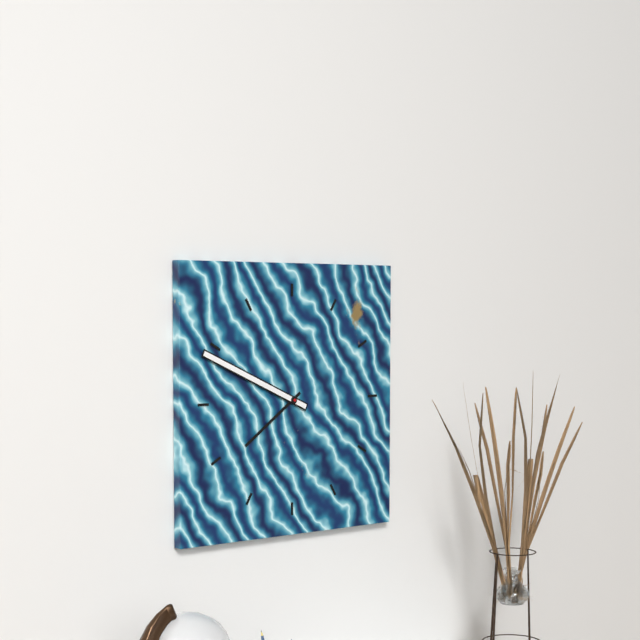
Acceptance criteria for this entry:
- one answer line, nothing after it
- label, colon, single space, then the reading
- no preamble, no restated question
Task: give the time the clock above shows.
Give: 7:49
